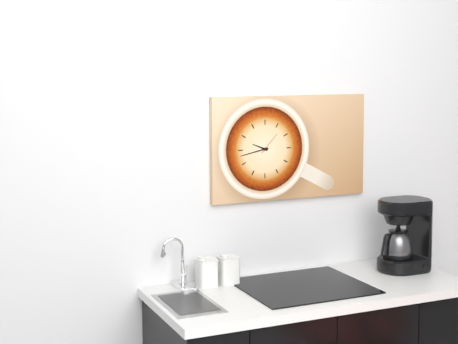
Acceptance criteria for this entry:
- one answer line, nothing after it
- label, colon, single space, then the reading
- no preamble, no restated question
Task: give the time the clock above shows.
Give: 9:43
